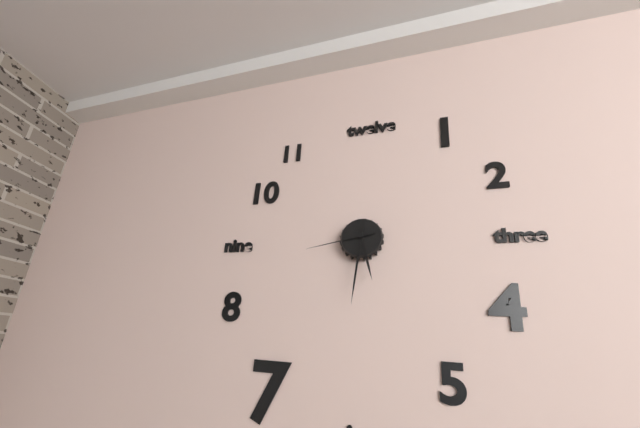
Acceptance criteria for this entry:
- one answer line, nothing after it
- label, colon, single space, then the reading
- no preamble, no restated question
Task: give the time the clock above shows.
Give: 5:31:43
